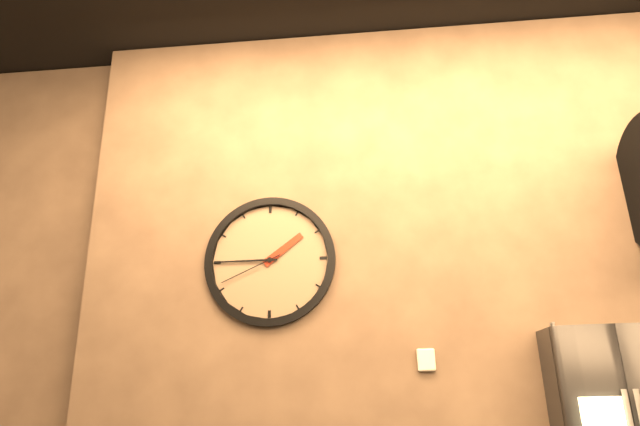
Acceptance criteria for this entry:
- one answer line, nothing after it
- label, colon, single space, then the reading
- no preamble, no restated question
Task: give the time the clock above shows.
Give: 1:45:41
